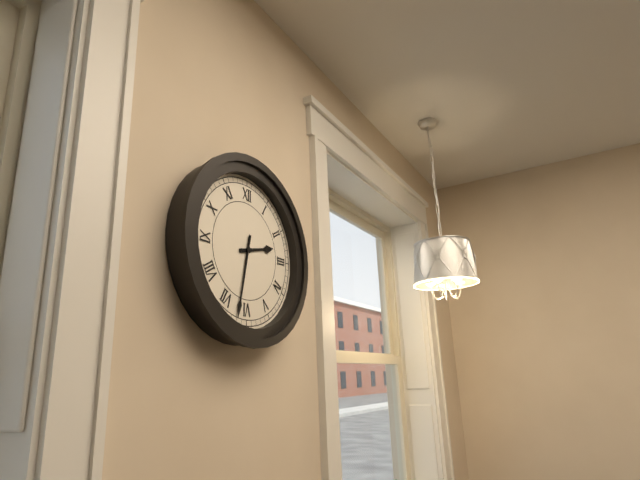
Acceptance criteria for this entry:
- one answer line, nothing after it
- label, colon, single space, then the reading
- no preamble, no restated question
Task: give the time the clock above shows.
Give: 2:32
